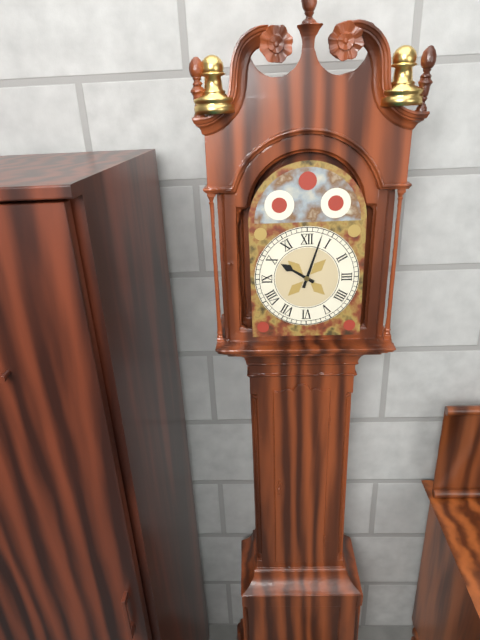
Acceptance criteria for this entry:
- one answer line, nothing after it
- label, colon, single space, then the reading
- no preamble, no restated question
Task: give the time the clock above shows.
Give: 10:03
